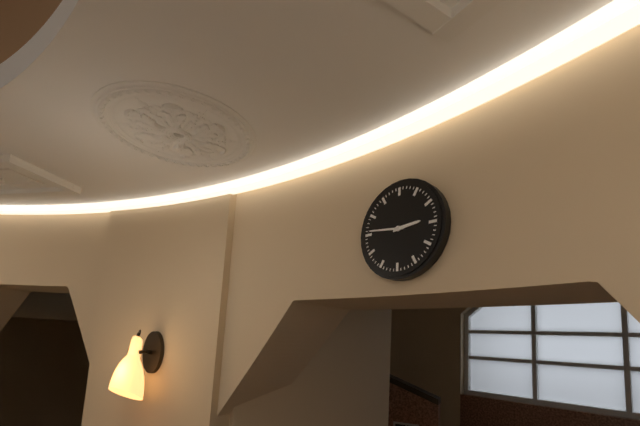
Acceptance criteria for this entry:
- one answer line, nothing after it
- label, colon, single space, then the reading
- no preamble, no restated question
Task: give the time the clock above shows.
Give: 2:46
